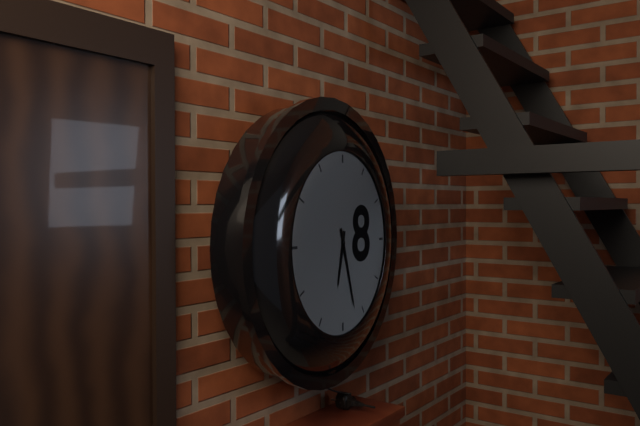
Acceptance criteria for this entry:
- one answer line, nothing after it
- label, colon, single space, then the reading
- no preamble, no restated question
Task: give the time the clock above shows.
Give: 6:27
